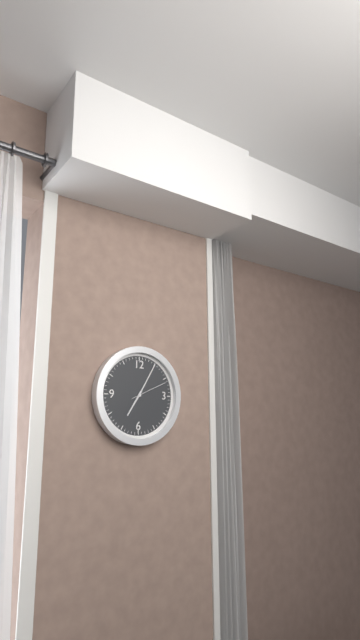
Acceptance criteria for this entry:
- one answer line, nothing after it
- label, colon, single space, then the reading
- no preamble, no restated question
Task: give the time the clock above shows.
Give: 7:05
